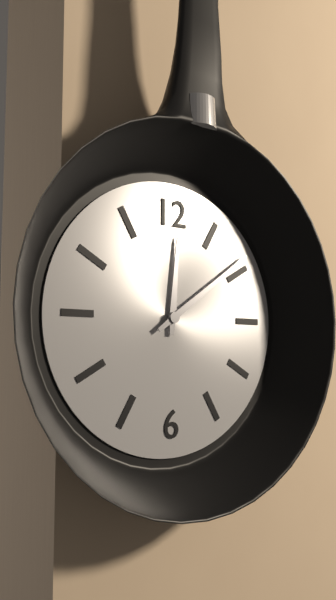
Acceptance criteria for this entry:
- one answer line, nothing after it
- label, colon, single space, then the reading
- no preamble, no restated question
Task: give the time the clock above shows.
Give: 12:09
